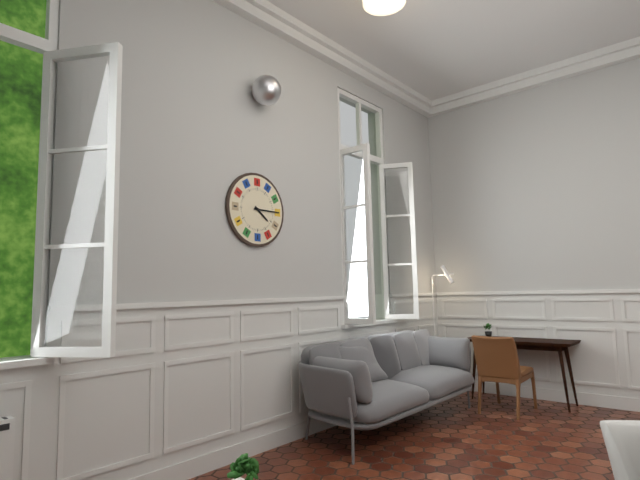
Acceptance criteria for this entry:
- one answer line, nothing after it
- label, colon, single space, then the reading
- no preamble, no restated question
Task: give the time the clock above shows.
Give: 4:15
